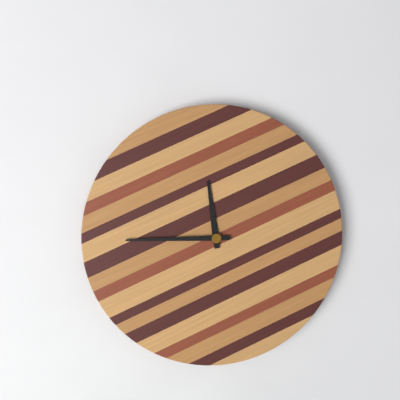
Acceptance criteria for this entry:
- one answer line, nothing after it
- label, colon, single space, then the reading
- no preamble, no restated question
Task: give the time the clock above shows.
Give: 11:45
